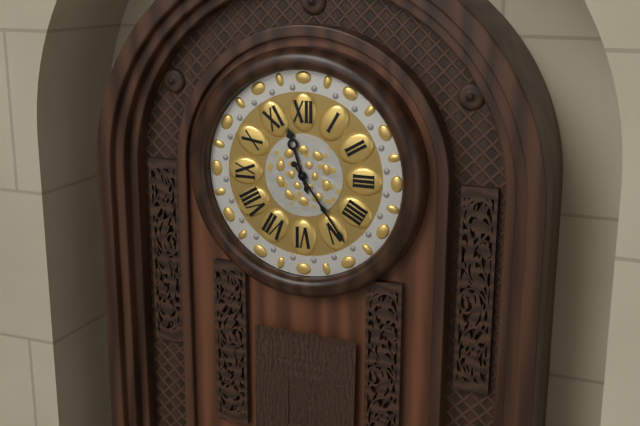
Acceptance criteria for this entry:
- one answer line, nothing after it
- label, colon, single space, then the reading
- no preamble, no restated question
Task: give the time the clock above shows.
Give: 11:24
